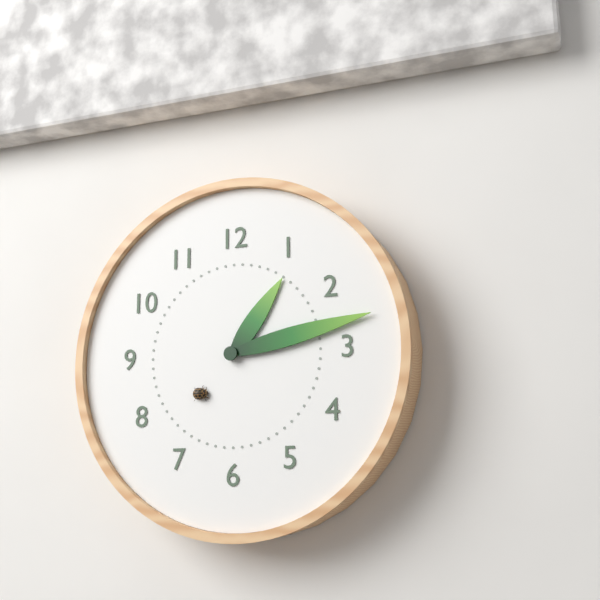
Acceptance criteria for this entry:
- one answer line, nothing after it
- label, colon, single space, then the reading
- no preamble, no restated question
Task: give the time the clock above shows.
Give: 1:13
